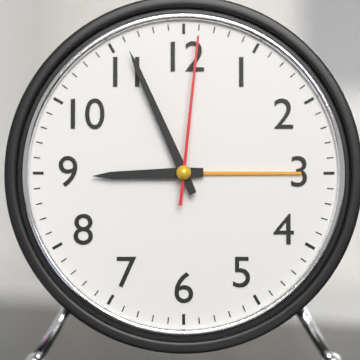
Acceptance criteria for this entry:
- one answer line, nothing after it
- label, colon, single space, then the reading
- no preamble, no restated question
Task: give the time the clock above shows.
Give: 8:56:01
